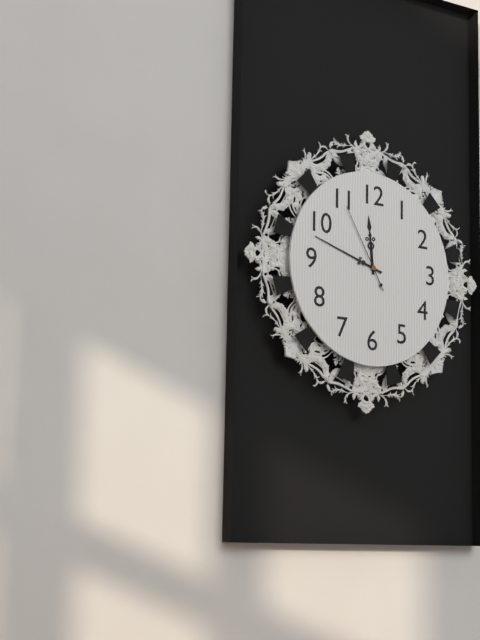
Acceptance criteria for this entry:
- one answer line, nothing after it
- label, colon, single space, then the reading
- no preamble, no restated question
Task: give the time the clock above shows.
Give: 11:48:55
